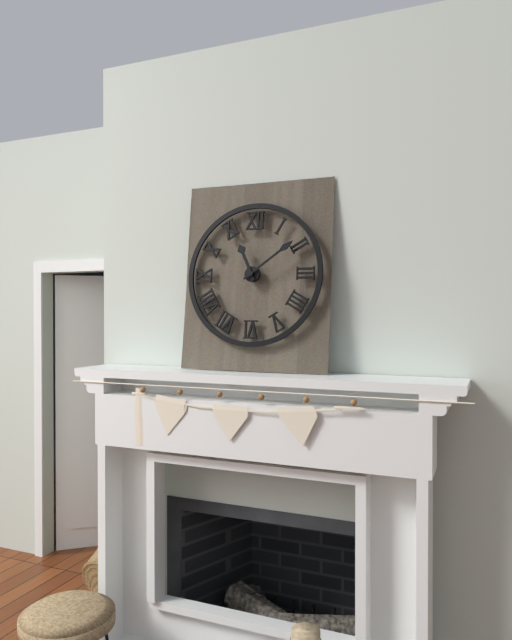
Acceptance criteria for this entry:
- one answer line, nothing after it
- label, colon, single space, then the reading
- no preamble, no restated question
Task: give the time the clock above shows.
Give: 11:09
